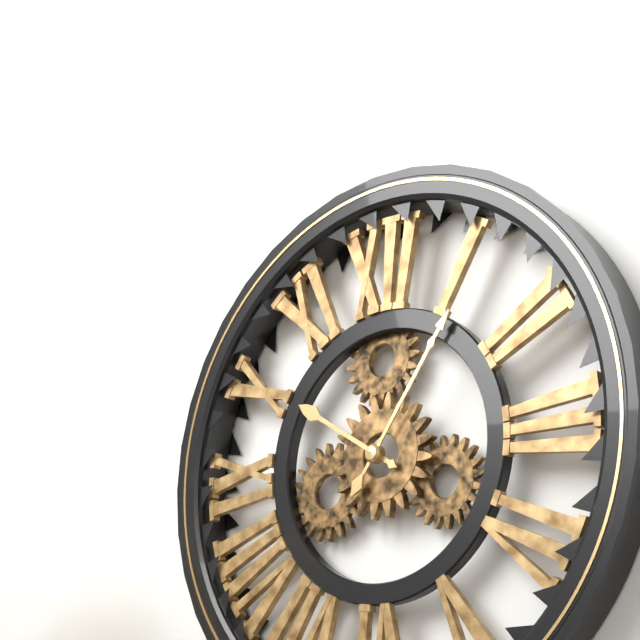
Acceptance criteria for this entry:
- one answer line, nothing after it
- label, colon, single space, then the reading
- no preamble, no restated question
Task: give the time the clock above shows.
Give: 10:06
